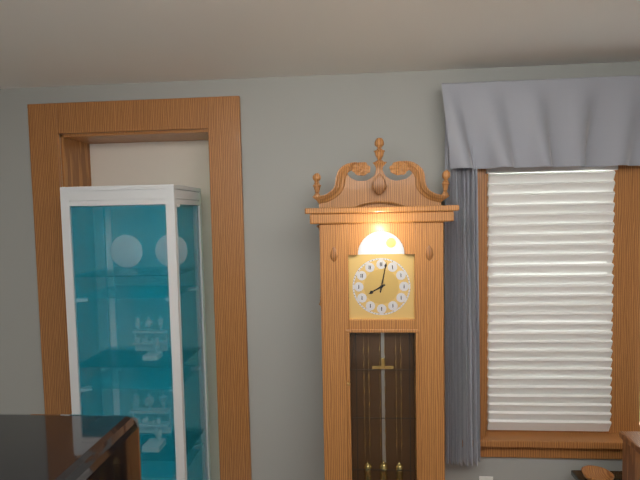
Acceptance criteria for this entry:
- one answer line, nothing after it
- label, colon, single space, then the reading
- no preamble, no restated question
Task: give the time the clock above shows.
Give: 8:02
